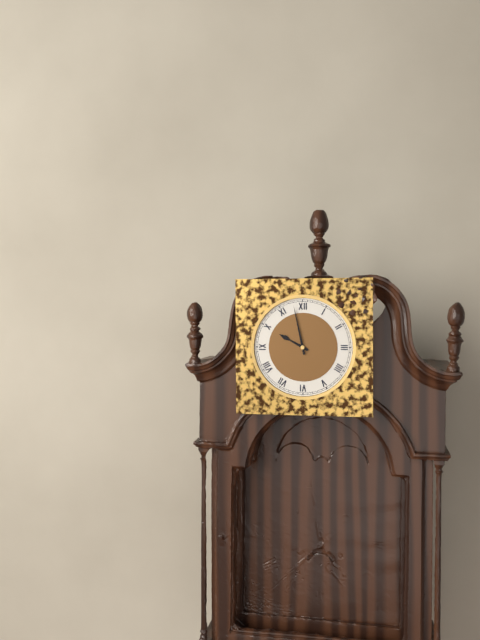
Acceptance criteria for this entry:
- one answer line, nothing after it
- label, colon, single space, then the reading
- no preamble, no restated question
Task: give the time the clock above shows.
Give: 9:58
